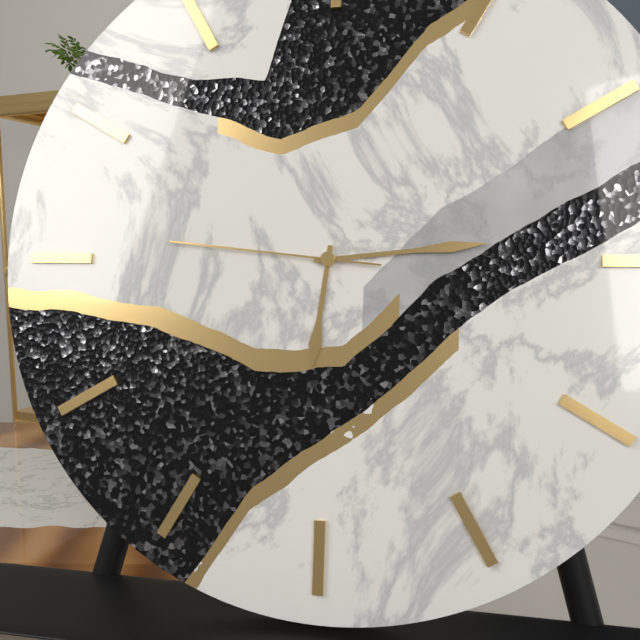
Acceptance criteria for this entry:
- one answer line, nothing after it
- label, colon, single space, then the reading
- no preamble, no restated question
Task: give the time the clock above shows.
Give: 6:14:46
